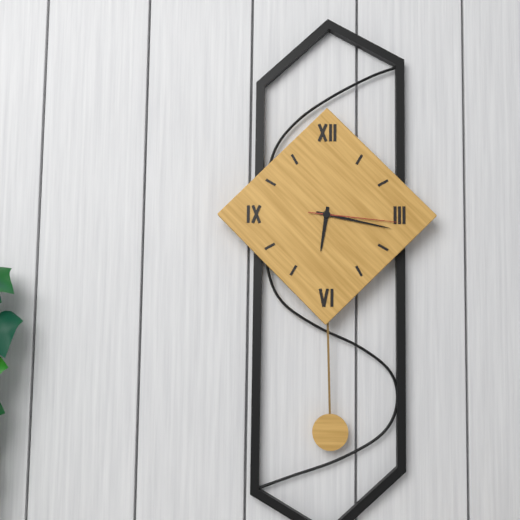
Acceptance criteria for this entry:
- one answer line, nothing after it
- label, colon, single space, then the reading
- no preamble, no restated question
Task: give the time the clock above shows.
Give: 6:17:16
